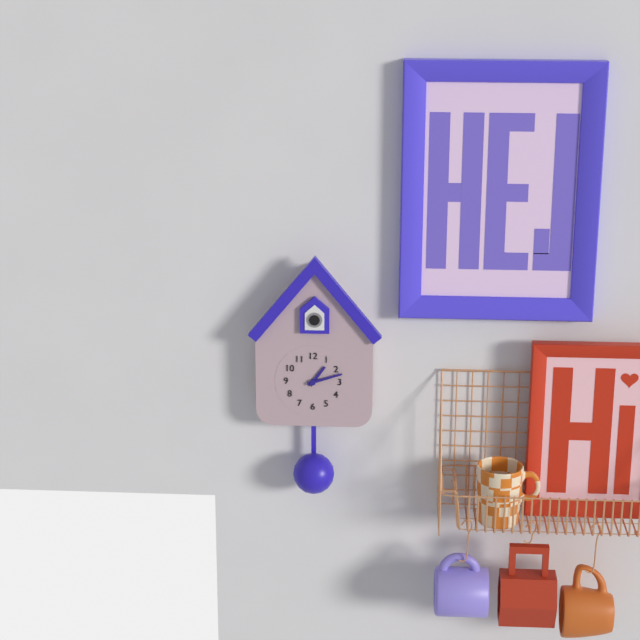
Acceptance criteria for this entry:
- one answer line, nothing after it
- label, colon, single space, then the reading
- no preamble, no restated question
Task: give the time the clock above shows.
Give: 1:12
